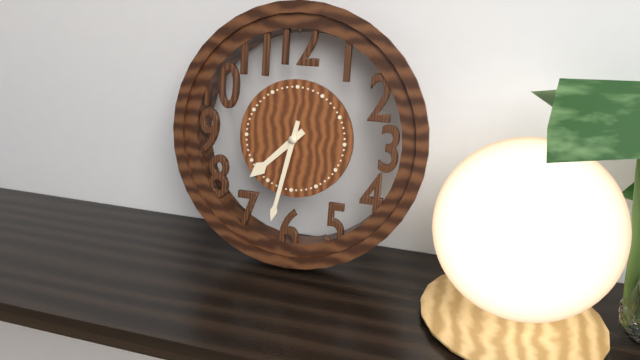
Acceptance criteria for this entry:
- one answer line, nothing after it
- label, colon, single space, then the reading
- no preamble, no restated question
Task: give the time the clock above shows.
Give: 7:32
